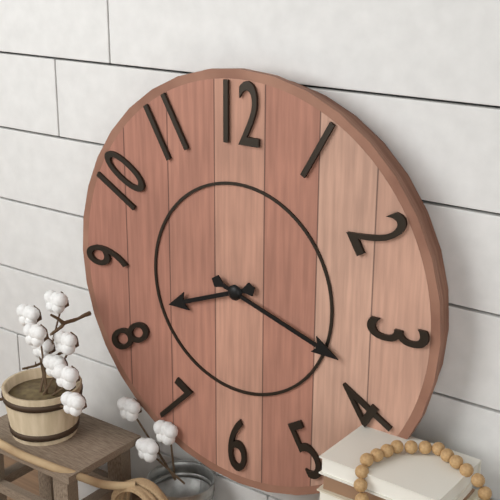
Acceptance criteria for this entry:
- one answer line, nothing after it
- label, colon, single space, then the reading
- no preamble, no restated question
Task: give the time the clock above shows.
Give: 8:18
